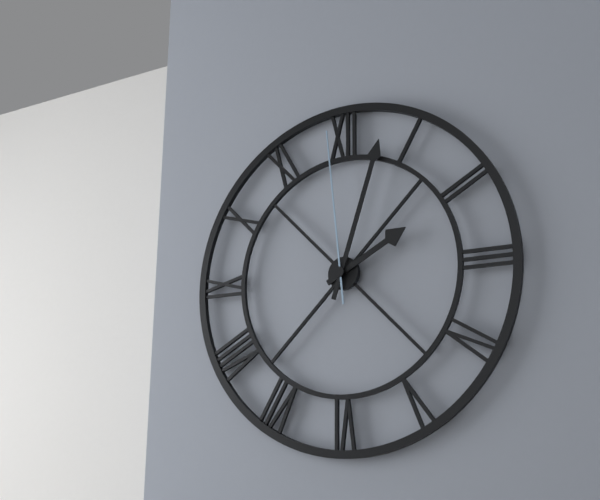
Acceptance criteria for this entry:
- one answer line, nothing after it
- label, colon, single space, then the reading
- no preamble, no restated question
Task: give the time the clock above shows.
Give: 2:03:59
